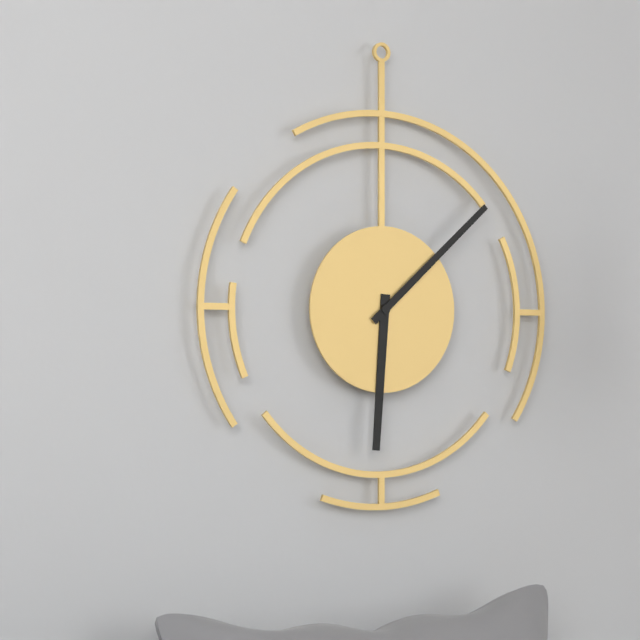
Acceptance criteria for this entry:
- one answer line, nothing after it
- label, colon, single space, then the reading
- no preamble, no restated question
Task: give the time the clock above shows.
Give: 6:08
